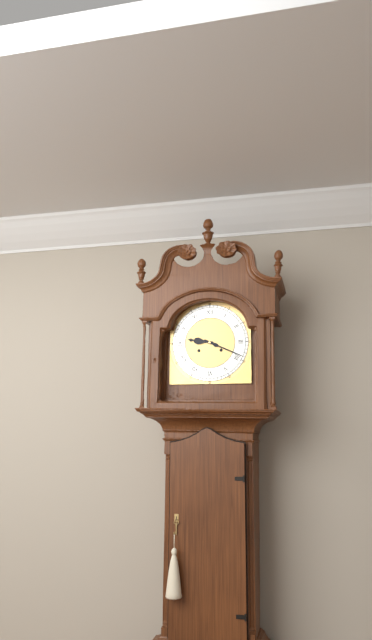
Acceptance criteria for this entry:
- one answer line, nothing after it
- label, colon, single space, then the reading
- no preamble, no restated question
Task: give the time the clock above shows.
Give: 9:19
